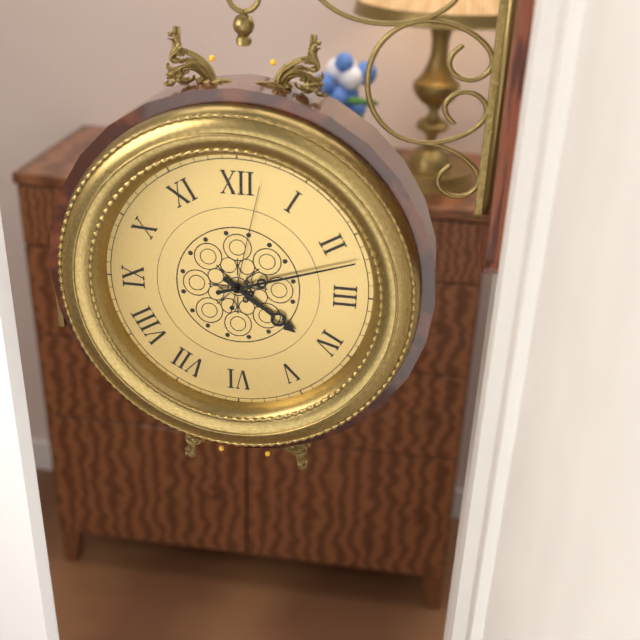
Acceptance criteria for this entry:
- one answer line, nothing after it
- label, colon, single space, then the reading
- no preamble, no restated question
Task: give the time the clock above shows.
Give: 4:12:02
